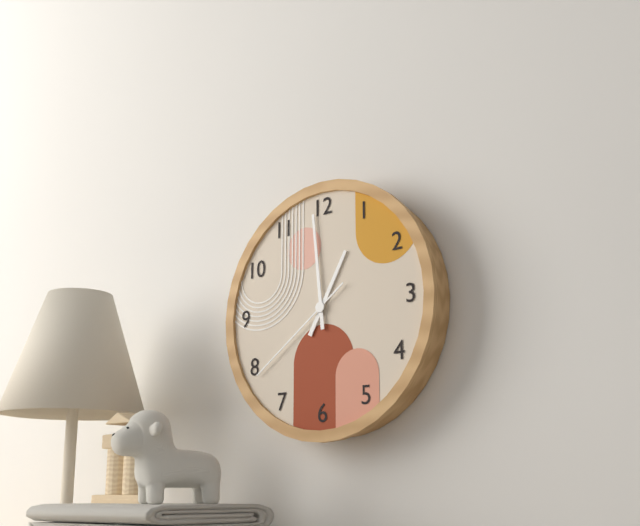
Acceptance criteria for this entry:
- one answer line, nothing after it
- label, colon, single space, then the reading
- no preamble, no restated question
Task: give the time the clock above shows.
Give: 12:59:39
